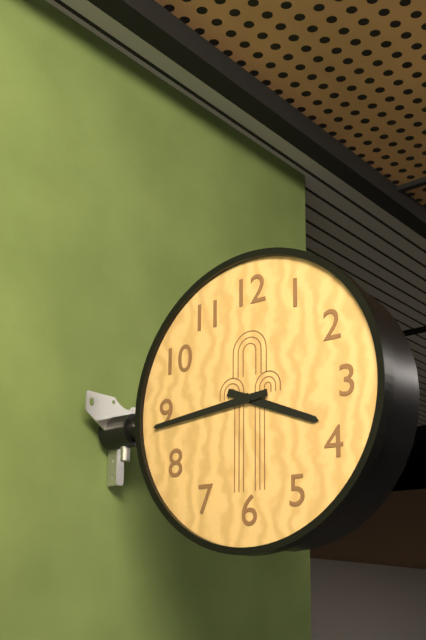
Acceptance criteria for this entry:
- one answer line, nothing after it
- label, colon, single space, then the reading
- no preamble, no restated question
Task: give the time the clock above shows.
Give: 3:44
